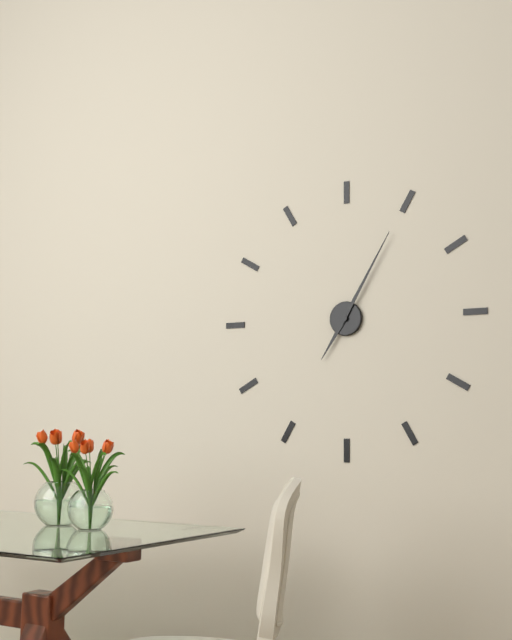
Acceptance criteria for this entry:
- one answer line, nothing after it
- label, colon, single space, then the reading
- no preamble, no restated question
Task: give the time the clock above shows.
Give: 7:05
